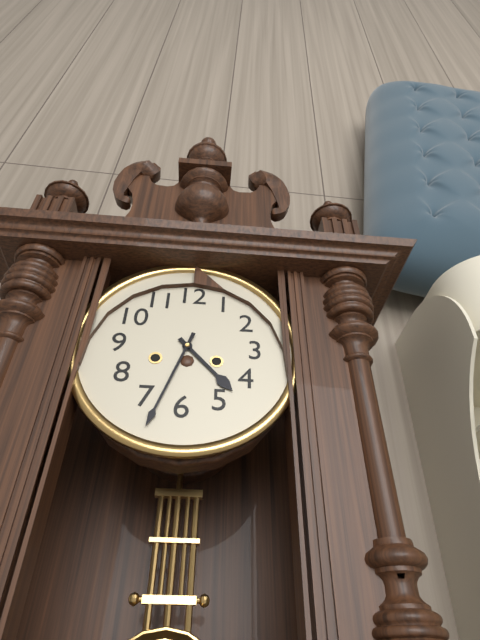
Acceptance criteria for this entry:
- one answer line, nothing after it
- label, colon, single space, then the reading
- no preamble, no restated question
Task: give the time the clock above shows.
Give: 4:33
